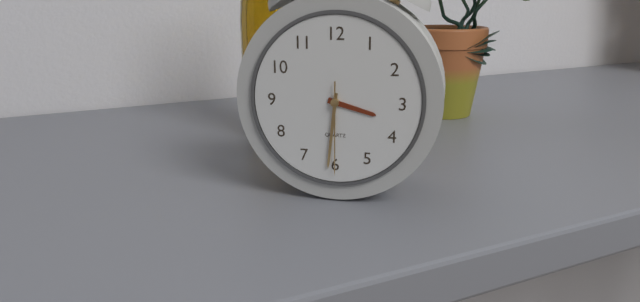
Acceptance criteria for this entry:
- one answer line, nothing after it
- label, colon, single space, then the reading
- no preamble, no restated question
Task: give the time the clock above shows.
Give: 3:31:30
